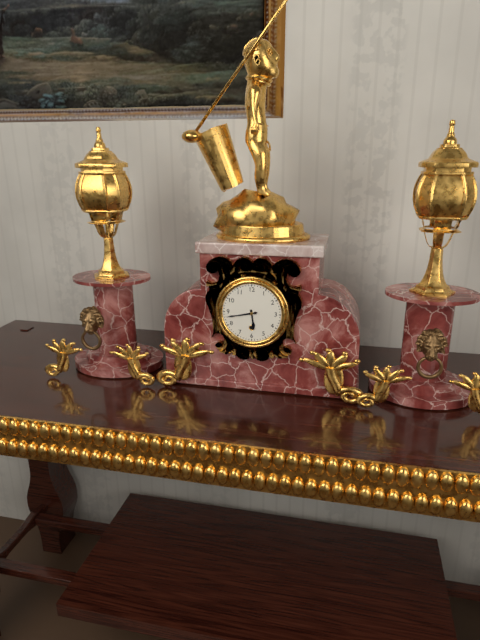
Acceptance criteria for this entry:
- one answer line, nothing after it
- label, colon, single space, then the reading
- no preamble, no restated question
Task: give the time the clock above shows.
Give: 5:43
